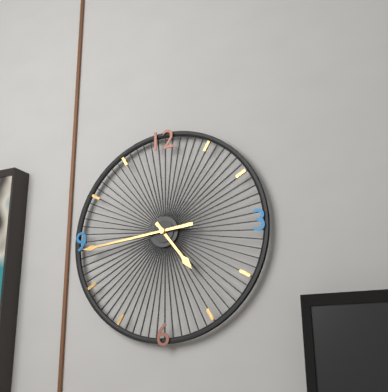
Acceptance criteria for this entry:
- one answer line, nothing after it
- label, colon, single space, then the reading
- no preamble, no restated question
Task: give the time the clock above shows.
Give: 4:44
